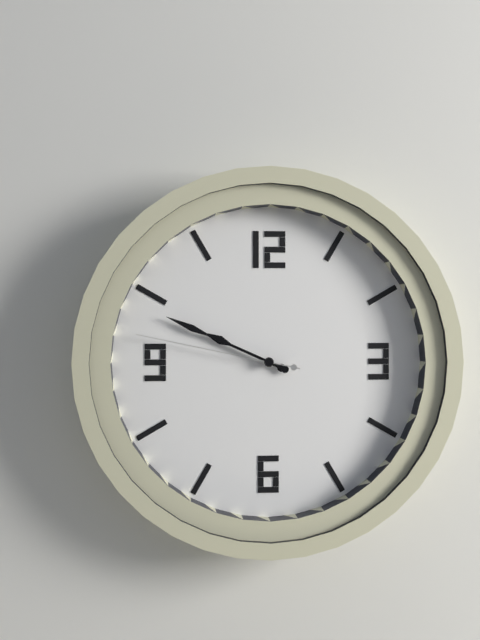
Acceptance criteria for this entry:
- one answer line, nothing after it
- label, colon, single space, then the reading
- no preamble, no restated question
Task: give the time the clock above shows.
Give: 9:49:47
